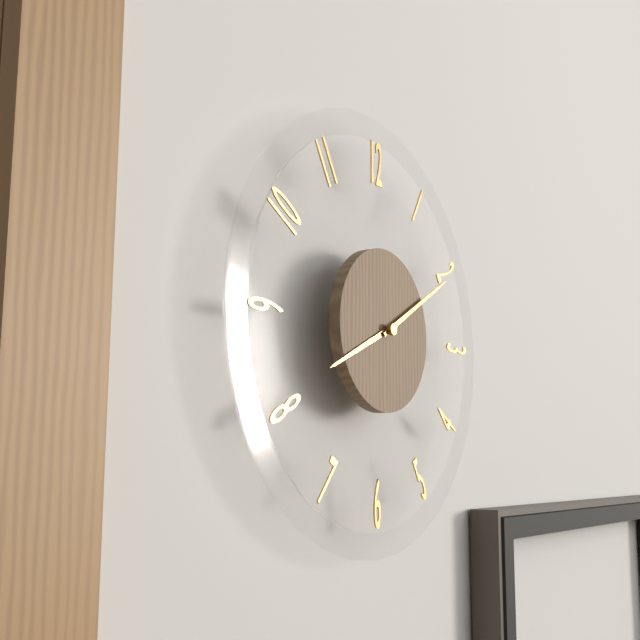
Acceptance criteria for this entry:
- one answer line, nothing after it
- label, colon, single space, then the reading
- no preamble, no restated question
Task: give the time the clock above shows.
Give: 8:10
